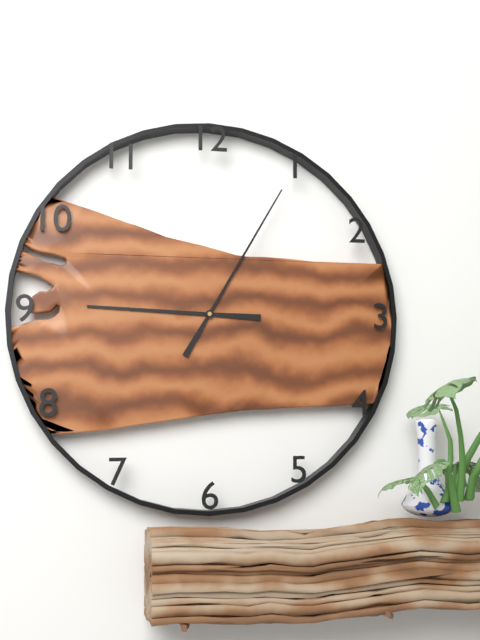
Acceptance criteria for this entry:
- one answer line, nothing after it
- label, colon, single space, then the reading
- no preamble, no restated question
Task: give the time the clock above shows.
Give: 9:05
